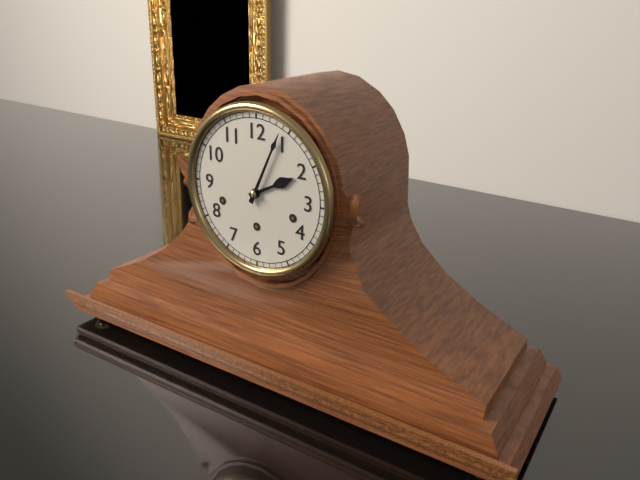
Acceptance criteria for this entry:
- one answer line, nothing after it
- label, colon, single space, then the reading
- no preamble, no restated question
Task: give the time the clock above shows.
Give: 2:04
